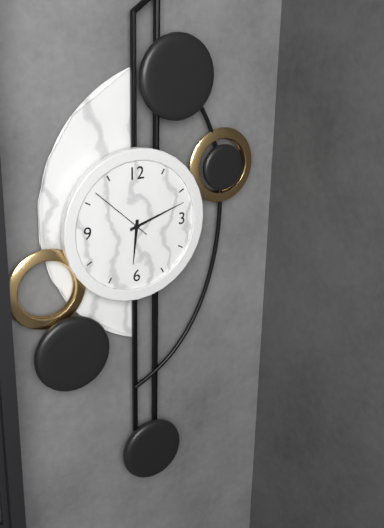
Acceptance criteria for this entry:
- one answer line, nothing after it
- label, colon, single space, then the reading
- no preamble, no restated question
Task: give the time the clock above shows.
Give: 6:12:52
